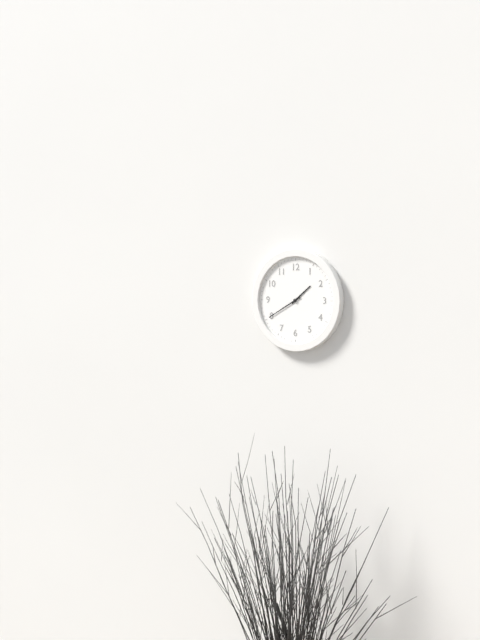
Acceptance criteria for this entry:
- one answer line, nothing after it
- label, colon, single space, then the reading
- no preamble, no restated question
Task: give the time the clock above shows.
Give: 1:40
